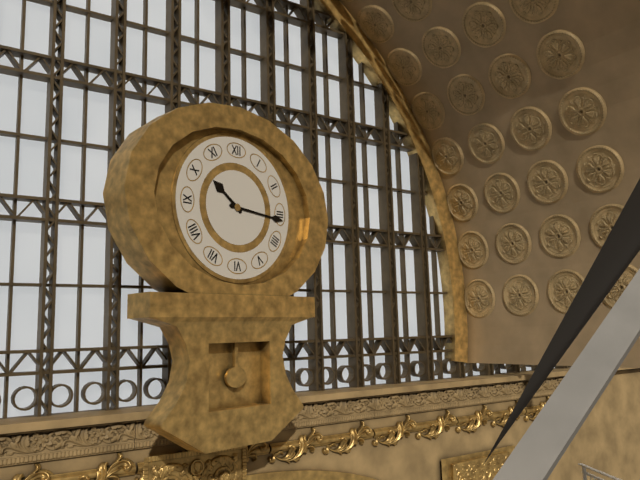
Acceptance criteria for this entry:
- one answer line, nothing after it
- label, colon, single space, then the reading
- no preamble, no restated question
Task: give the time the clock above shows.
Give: 10:16
